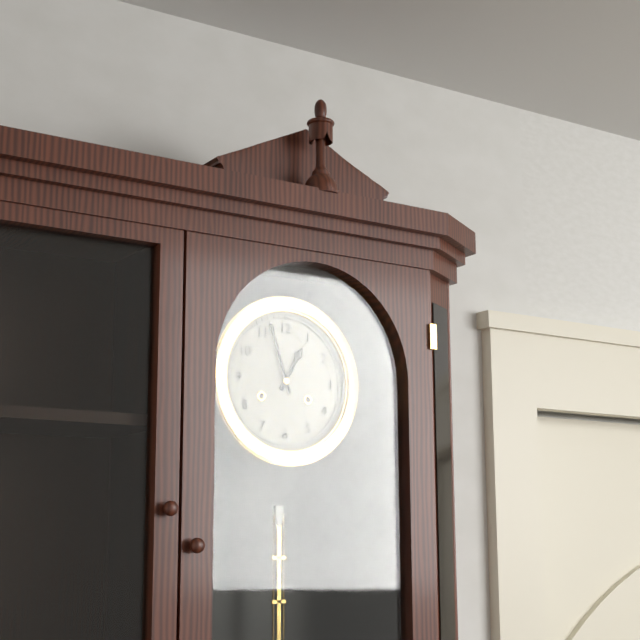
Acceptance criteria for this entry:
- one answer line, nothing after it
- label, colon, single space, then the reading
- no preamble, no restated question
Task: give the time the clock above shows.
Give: 12:57
